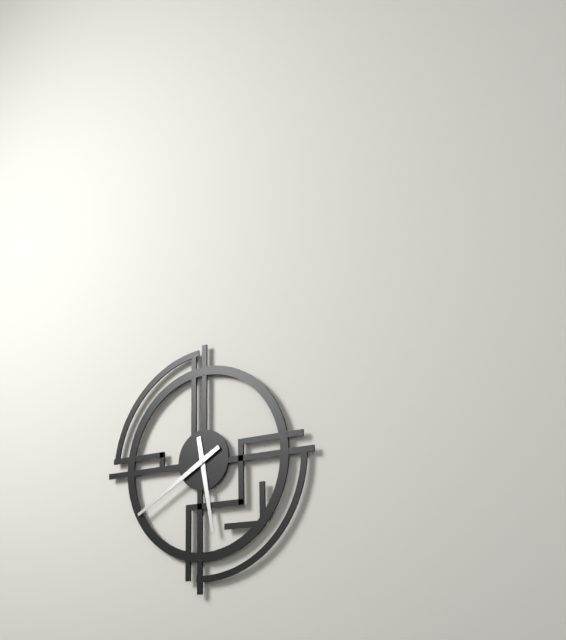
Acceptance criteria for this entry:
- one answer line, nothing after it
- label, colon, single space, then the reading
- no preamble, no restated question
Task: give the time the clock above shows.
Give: 5:40
